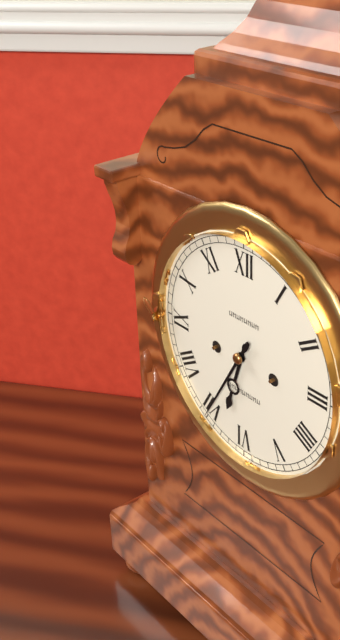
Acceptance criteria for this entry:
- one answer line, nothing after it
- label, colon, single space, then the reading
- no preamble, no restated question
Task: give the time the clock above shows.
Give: 6:35
